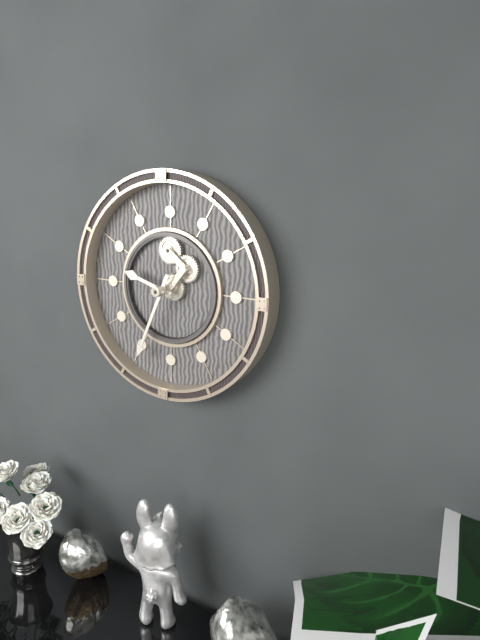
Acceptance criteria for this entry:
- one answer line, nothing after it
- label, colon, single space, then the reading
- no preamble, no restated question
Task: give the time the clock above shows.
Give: 9:34
